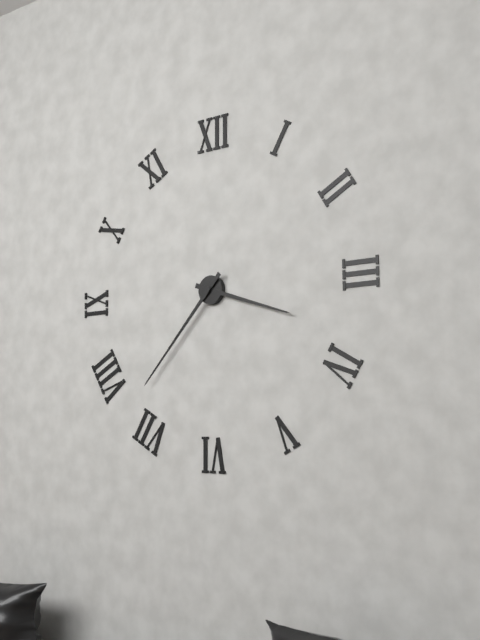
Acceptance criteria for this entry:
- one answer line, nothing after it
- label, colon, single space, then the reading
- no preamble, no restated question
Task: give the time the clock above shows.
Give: 3:37
